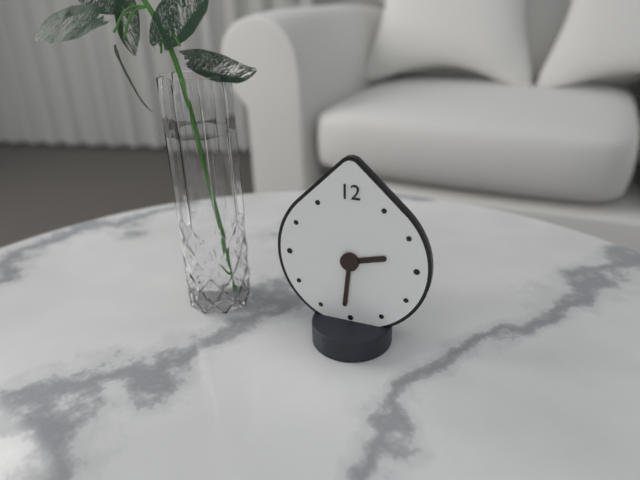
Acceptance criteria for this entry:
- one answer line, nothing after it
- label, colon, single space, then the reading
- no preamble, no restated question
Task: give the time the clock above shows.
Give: 2:31
